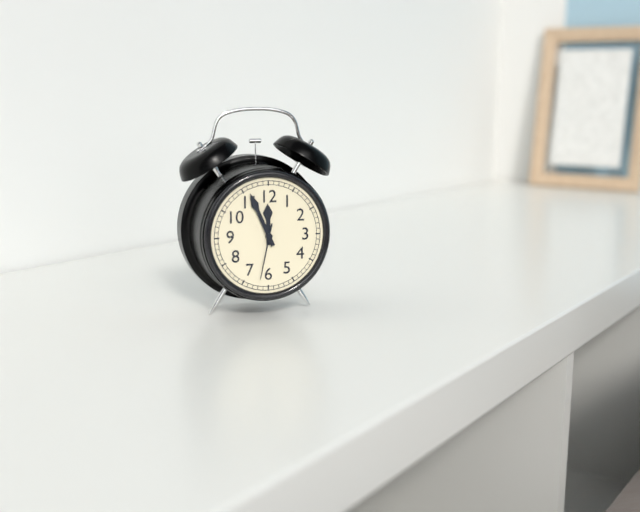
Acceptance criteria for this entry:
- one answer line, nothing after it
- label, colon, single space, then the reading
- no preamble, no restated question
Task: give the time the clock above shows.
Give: 11:56:32
